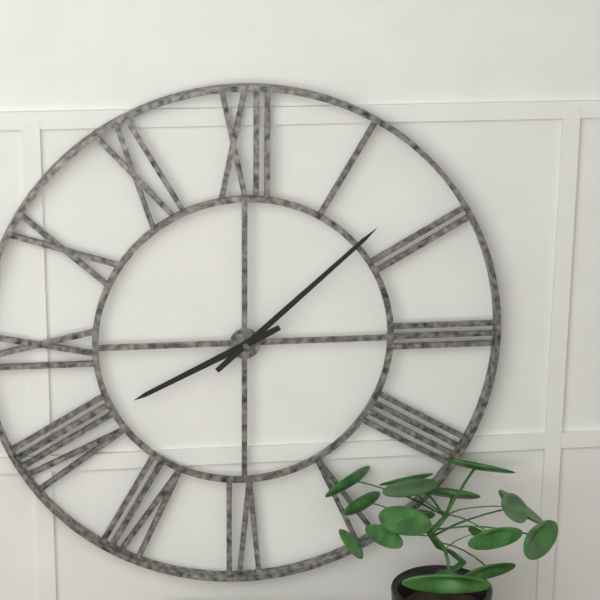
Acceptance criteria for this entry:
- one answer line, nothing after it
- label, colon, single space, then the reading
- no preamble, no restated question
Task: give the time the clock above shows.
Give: 8:08
